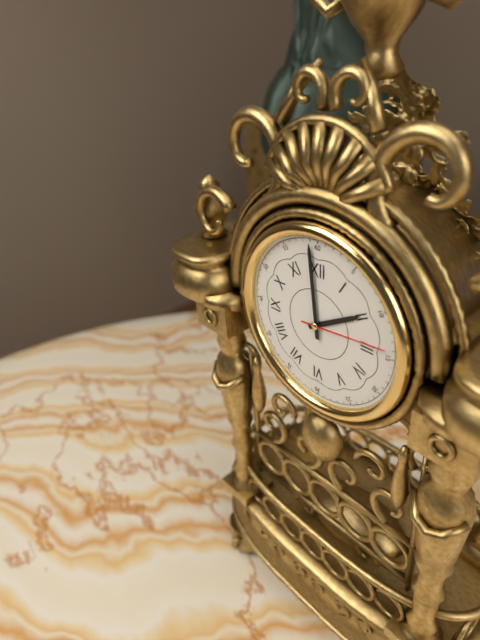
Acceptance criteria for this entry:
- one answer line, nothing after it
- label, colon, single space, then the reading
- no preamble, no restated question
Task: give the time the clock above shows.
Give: 1:59:14
